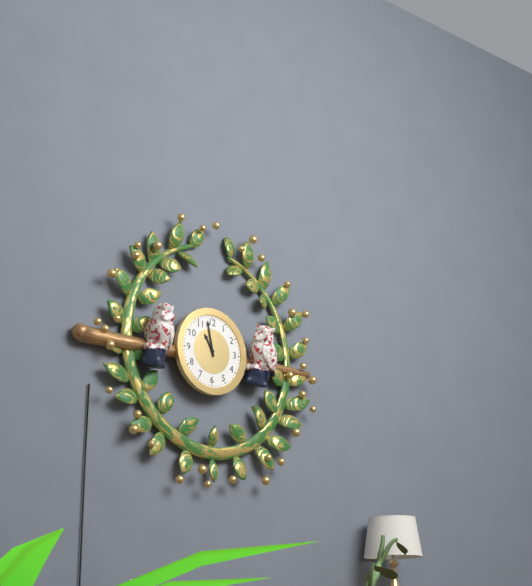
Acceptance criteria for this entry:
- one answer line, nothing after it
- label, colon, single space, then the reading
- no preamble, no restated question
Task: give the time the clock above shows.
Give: 10:58
